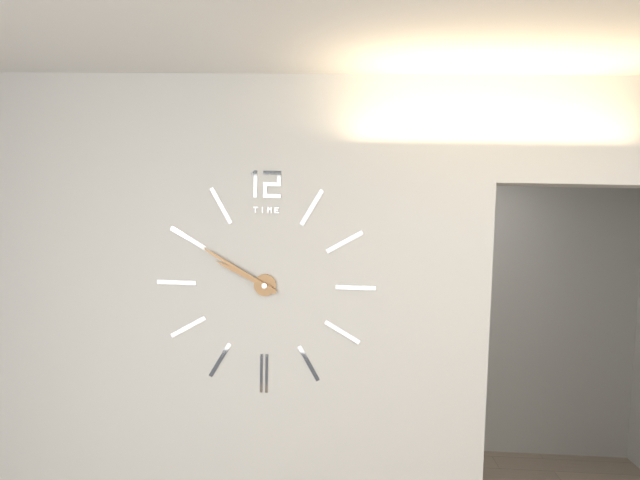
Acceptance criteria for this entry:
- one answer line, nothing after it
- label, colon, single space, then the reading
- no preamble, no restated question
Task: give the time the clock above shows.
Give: 9:50
